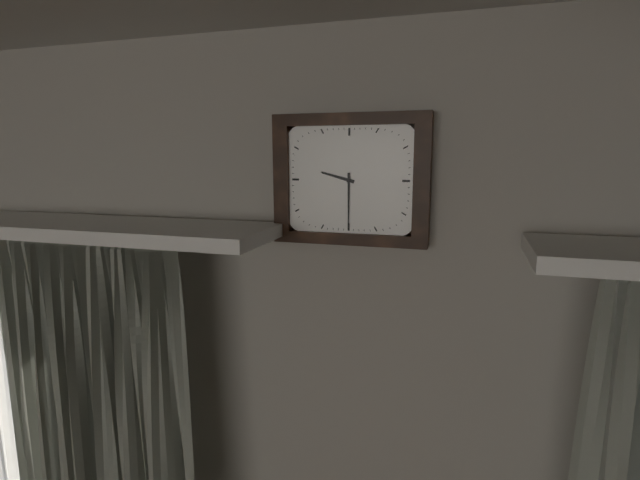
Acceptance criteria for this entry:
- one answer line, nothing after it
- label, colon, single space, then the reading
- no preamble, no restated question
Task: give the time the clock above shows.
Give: 9:30
